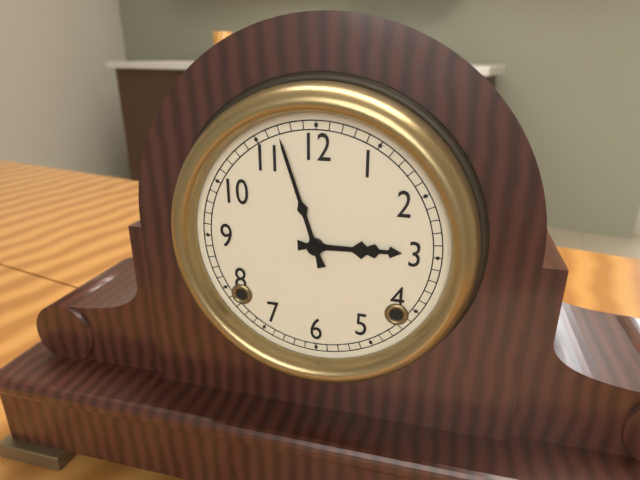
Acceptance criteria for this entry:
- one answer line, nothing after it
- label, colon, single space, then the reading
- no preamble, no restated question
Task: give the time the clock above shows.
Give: 2:57
